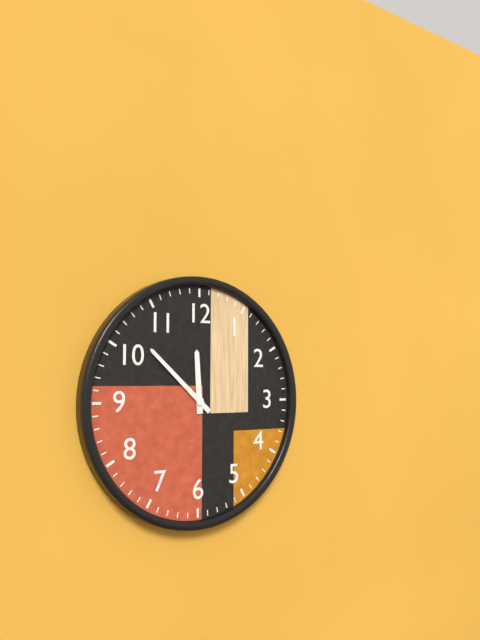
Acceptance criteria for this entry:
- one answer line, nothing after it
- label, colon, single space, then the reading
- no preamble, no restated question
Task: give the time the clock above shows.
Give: 11:52
